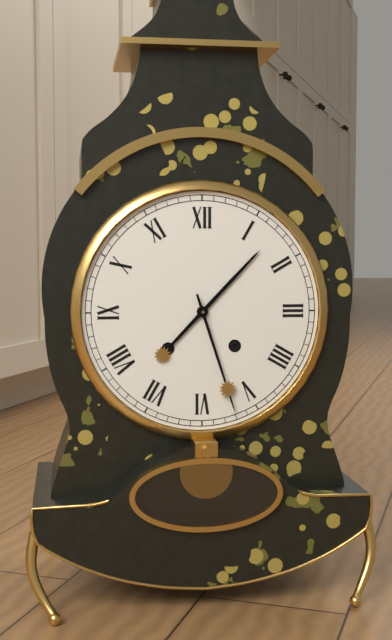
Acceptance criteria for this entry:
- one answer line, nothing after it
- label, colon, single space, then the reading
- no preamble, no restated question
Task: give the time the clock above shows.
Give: 1:27
